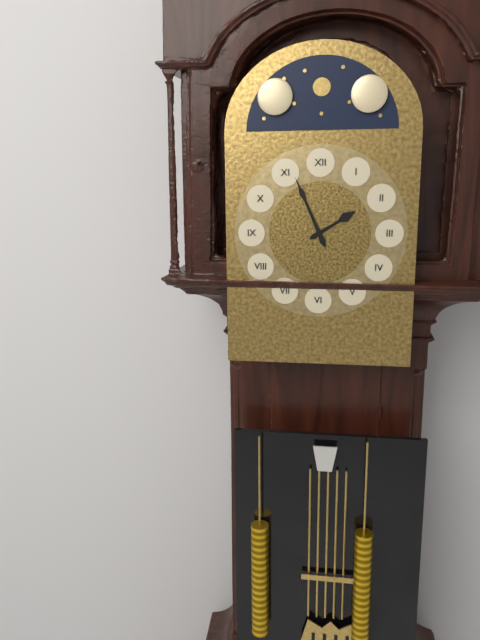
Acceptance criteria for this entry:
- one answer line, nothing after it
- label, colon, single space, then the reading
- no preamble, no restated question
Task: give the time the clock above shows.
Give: 1:56
